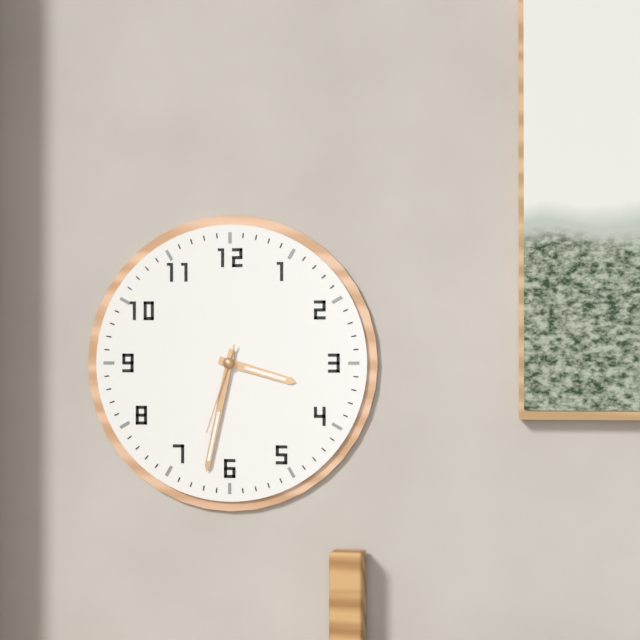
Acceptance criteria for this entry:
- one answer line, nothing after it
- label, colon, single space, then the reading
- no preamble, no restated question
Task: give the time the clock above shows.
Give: 3:32:33
